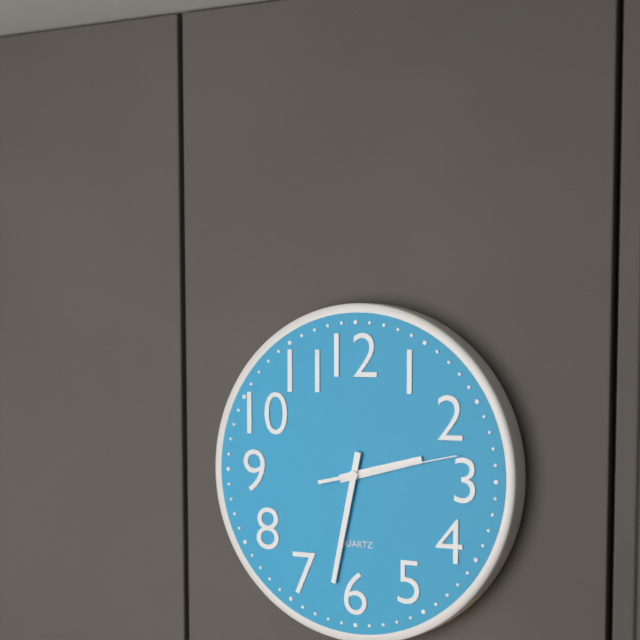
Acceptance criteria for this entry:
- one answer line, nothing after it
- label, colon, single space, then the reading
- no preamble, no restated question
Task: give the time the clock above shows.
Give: 2:32:13
